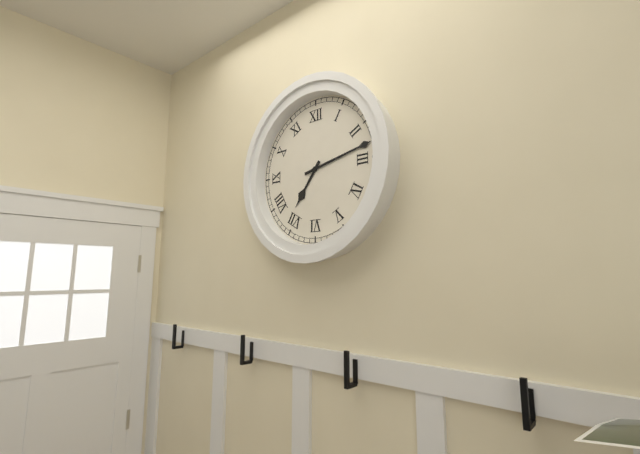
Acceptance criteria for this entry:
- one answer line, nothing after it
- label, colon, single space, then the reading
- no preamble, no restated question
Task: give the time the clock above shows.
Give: 7:13
